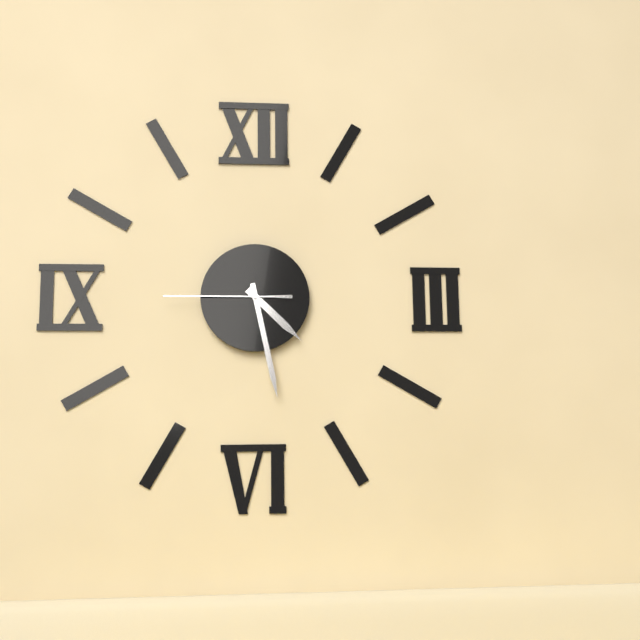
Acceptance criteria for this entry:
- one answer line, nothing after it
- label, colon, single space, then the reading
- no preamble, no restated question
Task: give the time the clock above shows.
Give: 4:28:45
